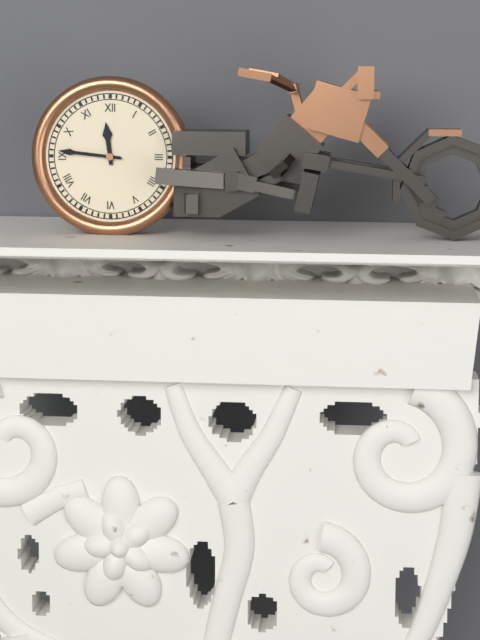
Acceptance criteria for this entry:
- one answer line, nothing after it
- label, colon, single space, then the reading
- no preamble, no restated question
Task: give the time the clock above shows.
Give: 11:46
